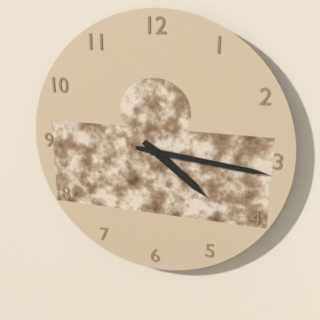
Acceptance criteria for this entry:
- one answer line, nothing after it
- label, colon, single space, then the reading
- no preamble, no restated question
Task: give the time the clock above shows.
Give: 4:16
